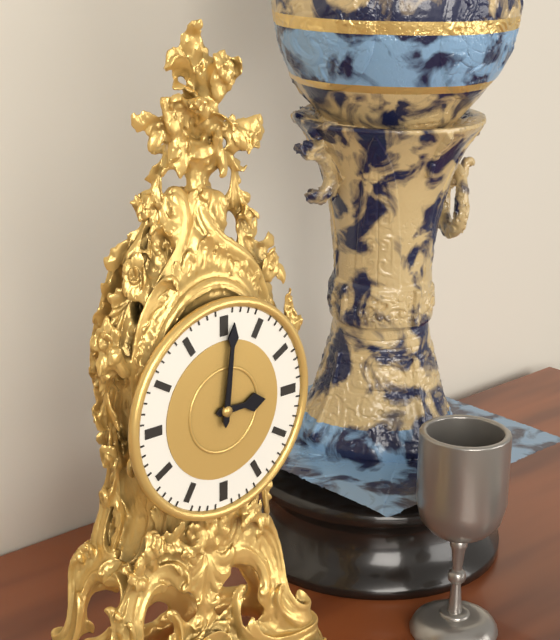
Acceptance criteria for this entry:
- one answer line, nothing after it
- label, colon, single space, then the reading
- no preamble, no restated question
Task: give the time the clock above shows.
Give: 3:01
